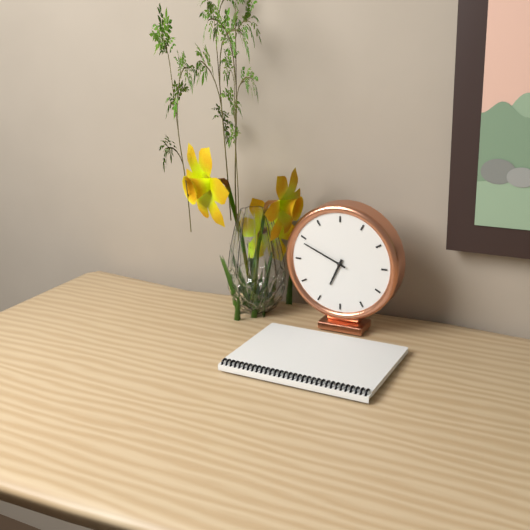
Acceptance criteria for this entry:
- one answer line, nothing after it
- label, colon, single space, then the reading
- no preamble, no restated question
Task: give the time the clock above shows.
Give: 6:49
